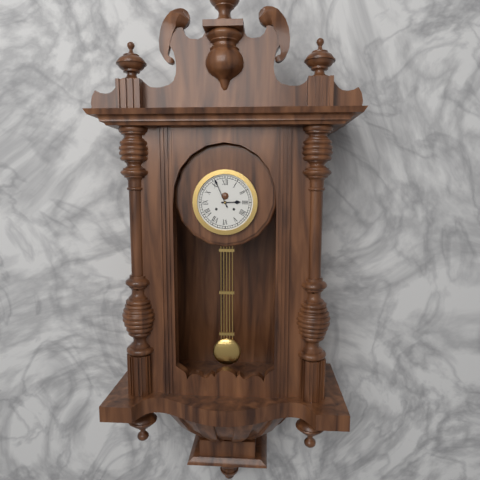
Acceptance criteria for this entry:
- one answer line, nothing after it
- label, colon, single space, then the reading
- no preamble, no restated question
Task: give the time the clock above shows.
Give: 2:56
